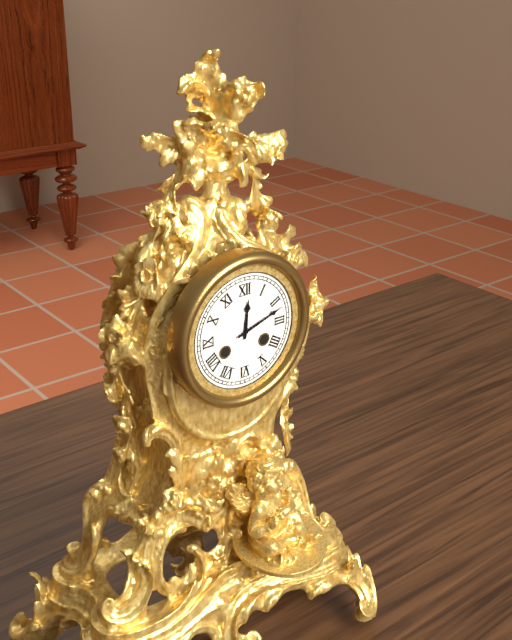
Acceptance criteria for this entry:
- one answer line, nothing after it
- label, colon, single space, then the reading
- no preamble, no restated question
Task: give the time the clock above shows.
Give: 12:12
